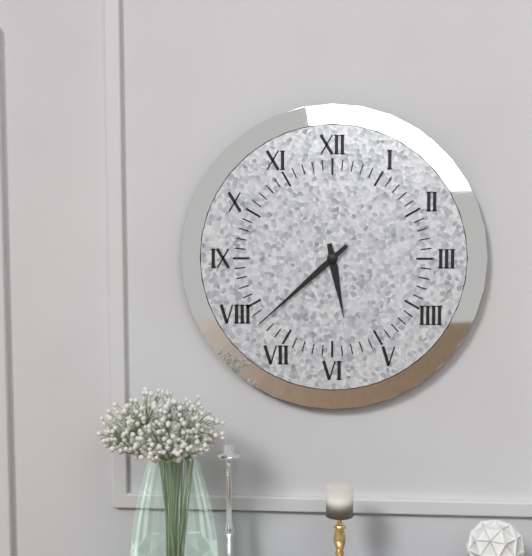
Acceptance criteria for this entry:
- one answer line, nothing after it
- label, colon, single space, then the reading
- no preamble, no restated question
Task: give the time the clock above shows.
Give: 5:38
